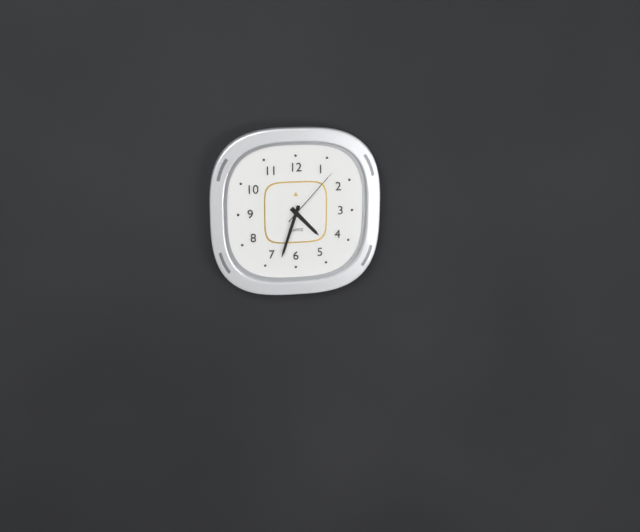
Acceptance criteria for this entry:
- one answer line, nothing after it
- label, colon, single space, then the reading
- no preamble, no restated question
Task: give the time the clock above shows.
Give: 4:33:07
